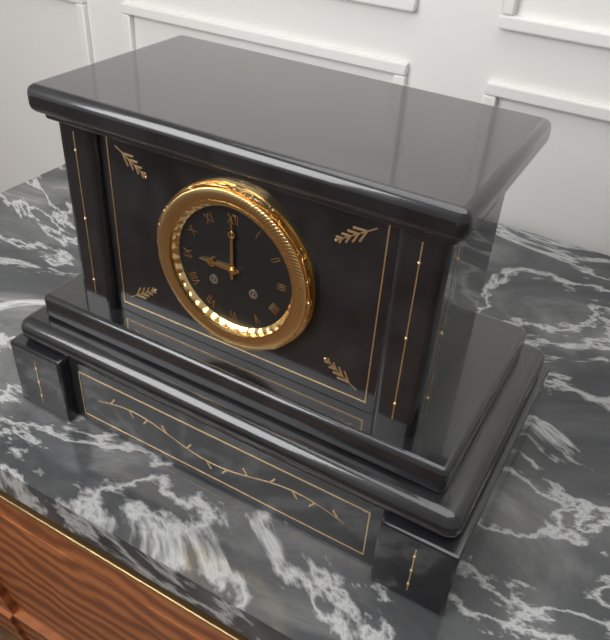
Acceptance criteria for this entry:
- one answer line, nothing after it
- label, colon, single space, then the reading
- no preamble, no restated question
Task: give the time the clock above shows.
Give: 9:00
